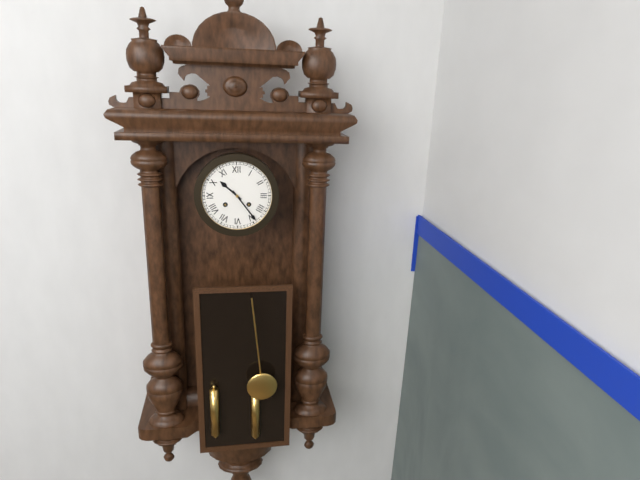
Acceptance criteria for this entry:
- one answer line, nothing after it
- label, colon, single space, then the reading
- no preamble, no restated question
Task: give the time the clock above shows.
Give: 10:24
